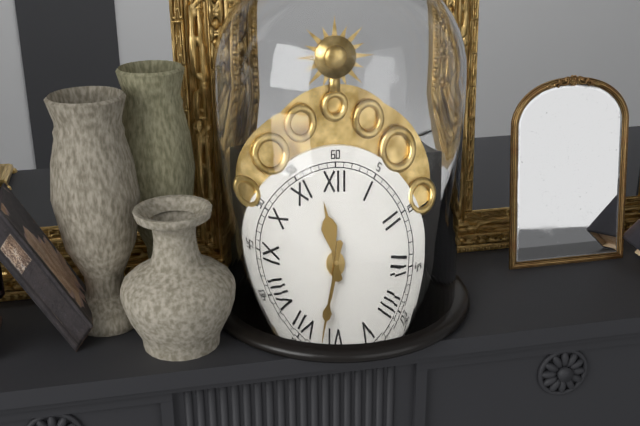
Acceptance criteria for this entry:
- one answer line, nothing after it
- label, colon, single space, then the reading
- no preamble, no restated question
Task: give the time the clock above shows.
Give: 11:32
